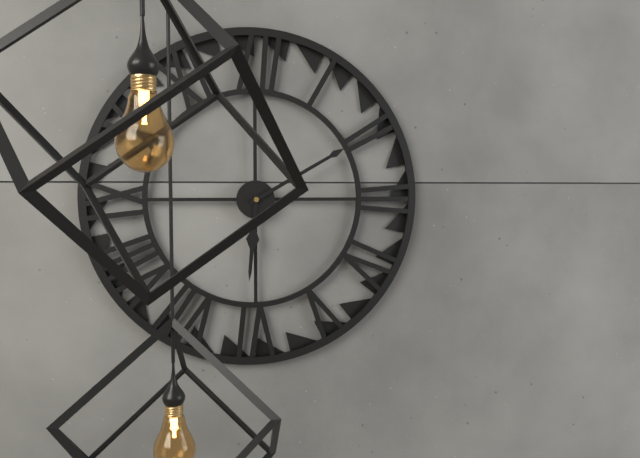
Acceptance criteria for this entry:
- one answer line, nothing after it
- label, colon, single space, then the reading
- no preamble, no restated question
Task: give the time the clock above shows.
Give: 6:10
